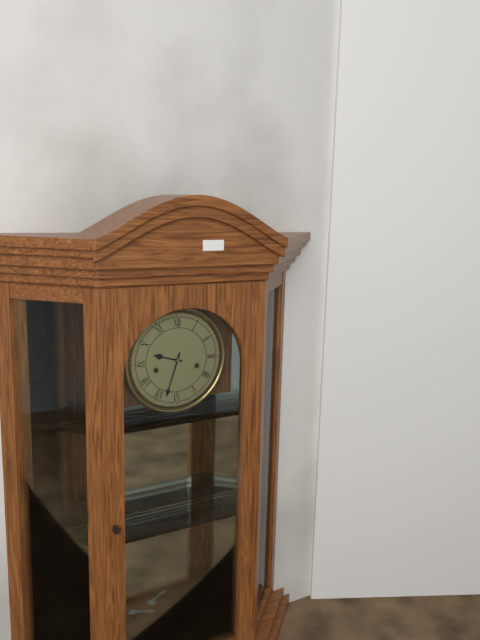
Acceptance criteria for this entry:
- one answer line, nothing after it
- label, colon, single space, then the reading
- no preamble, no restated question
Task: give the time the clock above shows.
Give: 9:33
